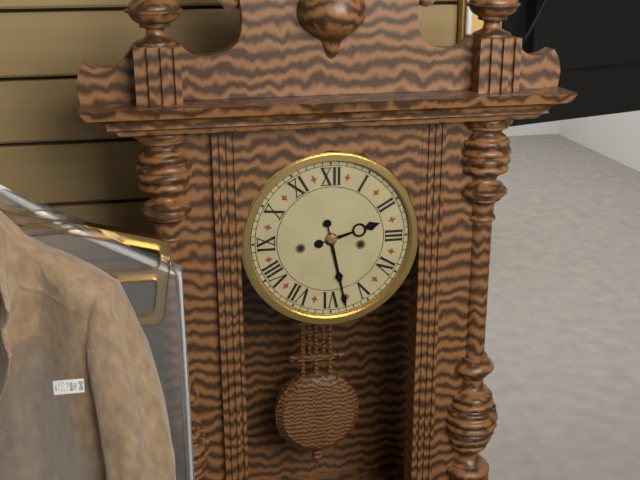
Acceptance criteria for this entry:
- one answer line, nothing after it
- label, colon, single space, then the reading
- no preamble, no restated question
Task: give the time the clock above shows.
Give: 2:28
